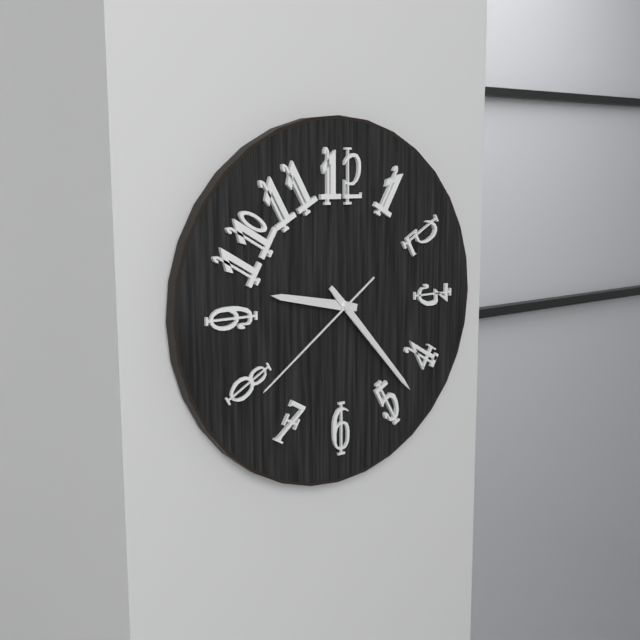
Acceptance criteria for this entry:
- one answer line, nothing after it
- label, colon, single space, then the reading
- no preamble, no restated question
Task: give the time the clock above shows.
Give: 9:23:39
